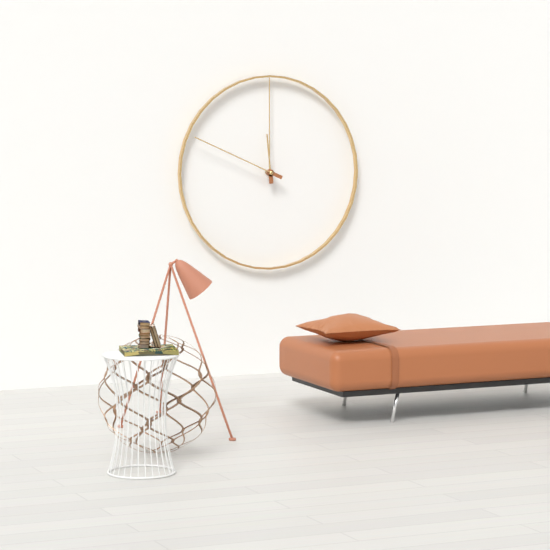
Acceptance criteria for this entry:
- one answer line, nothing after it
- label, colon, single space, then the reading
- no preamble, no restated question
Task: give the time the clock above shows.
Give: 11:49
